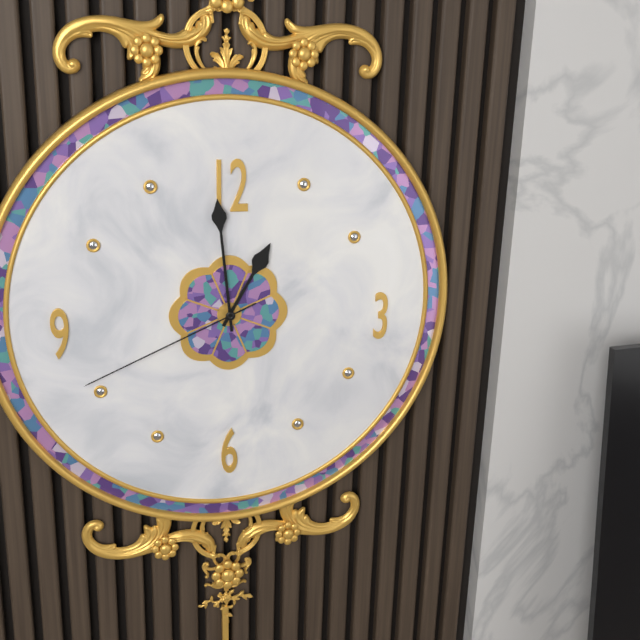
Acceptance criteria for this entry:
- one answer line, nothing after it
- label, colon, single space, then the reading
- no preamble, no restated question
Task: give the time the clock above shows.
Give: 12:59:41
